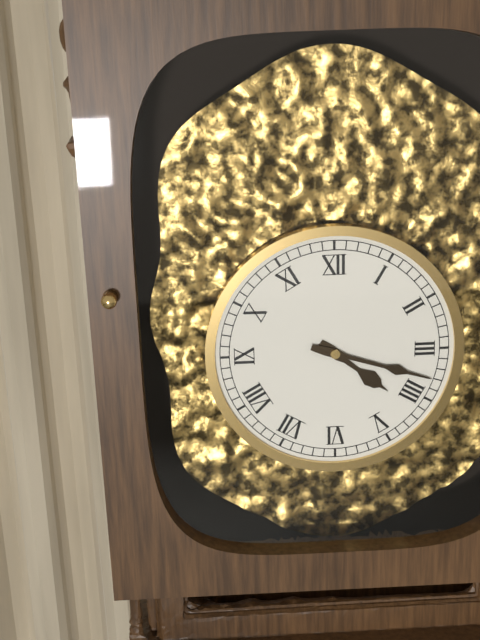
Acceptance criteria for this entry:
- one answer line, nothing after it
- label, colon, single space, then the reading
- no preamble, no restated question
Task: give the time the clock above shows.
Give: 4:18
